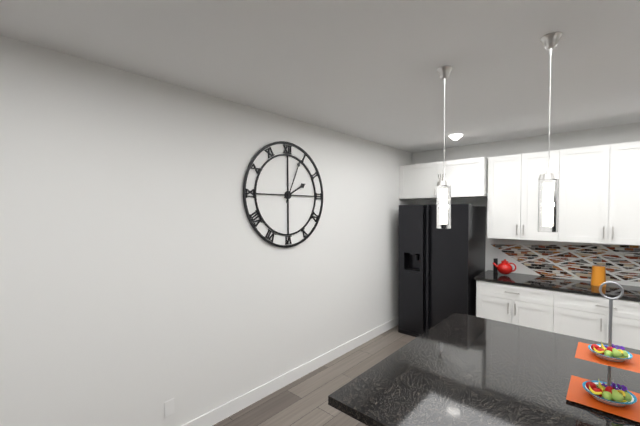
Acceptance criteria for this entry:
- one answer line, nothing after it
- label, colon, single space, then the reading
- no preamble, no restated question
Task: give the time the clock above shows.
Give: 2:04
